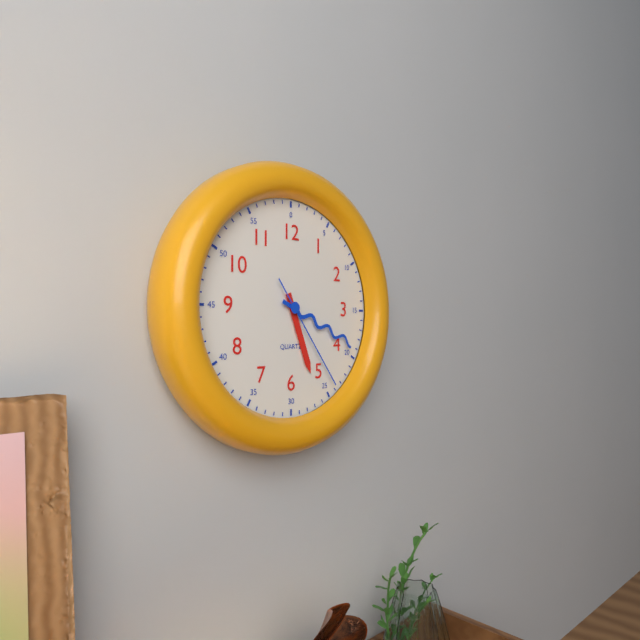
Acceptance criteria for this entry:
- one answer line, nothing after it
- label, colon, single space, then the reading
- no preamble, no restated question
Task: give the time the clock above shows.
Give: 5:19:24
